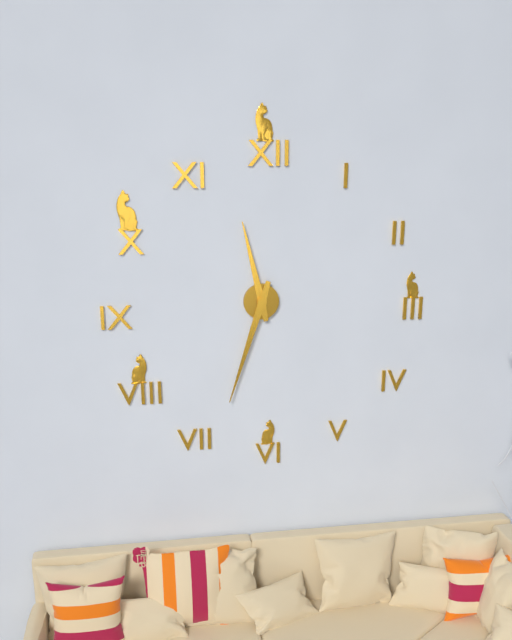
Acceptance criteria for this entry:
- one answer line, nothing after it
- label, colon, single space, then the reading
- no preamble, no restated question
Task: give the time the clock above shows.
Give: 11:33
